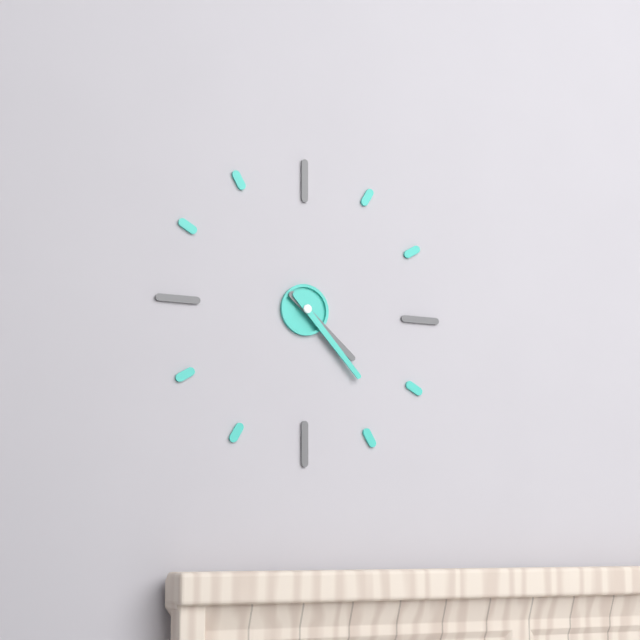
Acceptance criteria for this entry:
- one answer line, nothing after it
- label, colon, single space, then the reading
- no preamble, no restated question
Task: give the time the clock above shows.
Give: 4:23
